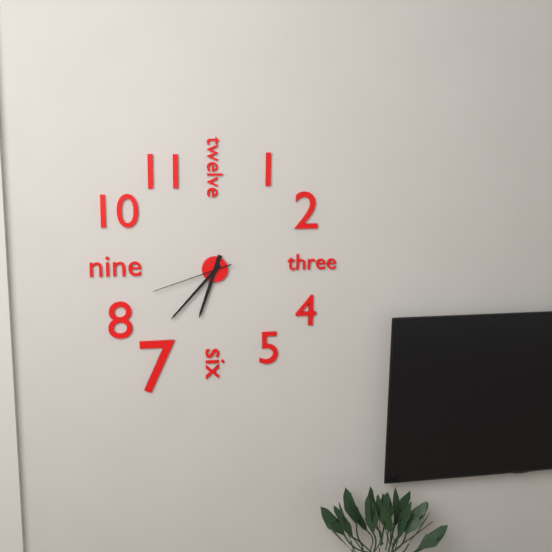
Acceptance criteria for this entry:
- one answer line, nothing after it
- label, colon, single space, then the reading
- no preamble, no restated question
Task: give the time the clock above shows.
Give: 6:37:42
